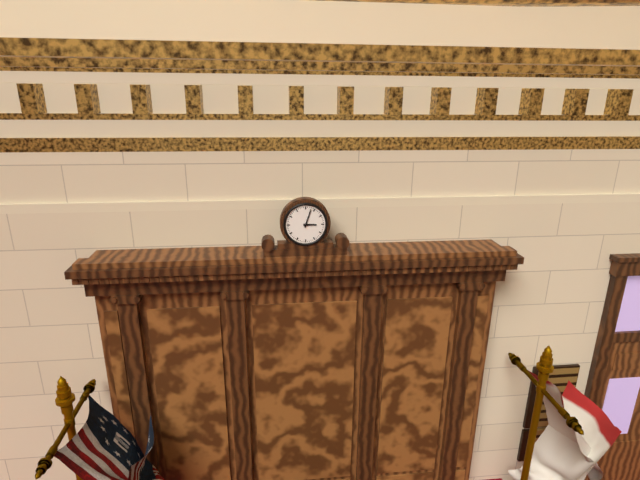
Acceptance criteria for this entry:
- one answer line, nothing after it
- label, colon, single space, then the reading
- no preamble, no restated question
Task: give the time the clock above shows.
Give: 3:03
